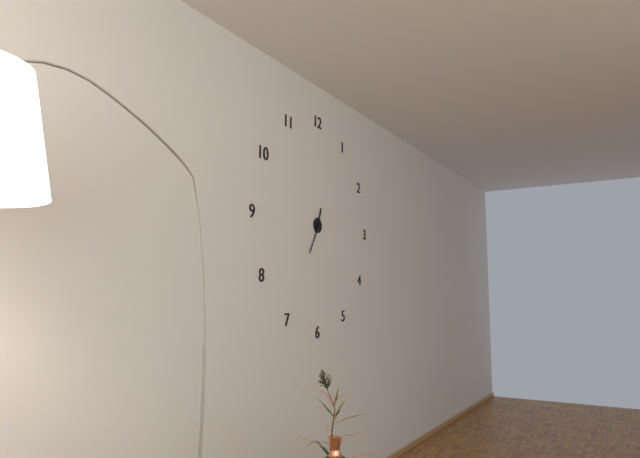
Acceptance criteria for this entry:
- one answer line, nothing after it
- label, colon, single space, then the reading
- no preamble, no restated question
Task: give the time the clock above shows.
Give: 12:35
